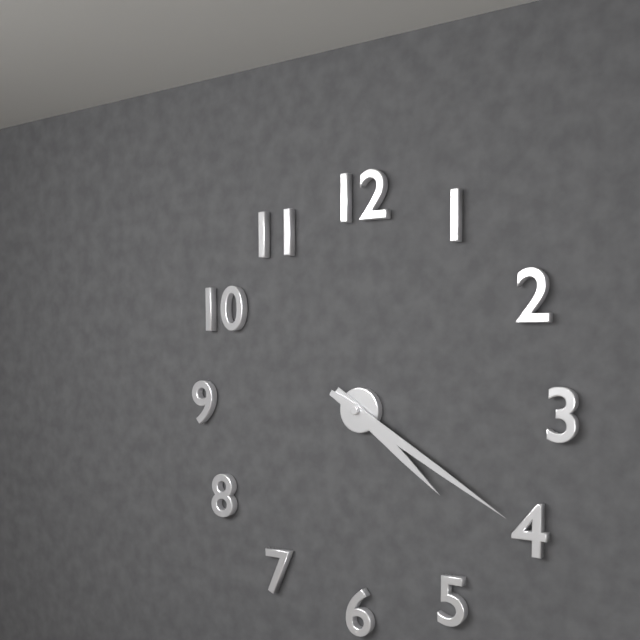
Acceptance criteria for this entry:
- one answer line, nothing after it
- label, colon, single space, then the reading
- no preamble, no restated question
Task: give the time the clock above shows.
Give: 4:20
